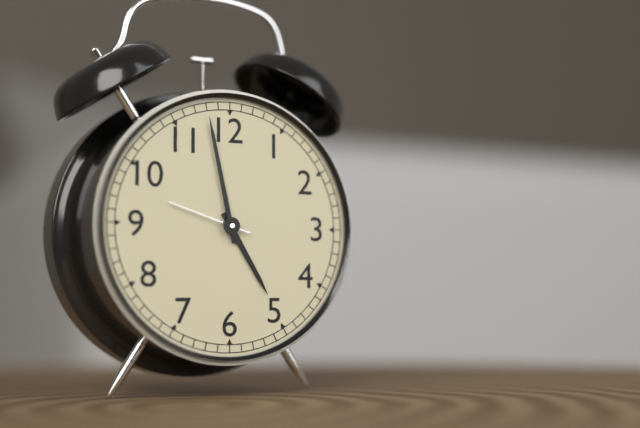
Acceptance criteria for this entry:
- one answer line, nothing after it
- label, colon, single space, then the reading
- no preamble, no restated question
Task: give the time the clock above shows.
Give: 4:58:48
